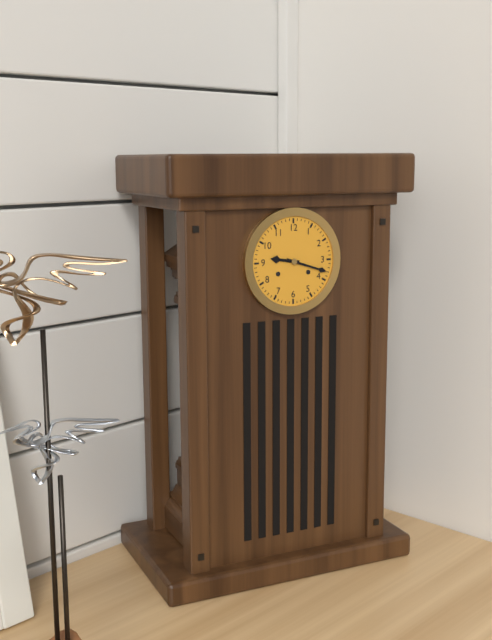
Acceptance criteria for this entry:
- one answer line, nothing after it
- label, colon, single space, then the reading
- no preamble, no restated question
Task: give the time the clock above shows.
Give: 9:18
